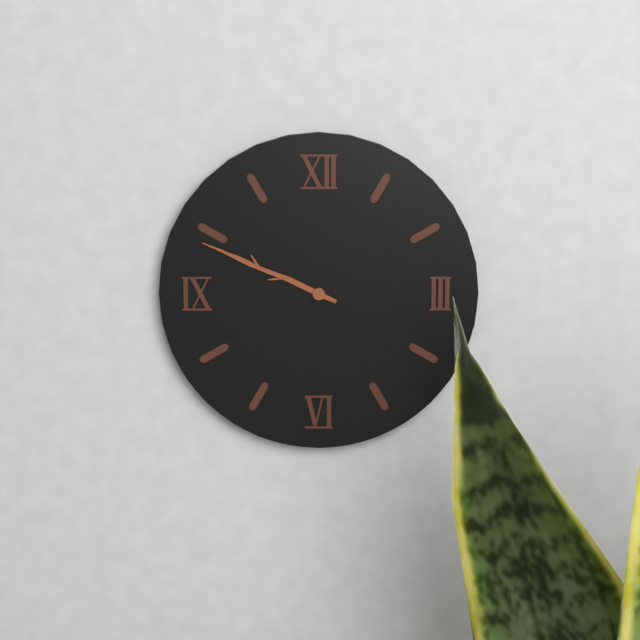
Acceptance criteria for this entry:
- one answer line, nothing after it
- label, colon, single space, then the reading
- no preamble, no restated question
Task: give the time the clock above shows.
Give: 9:49
